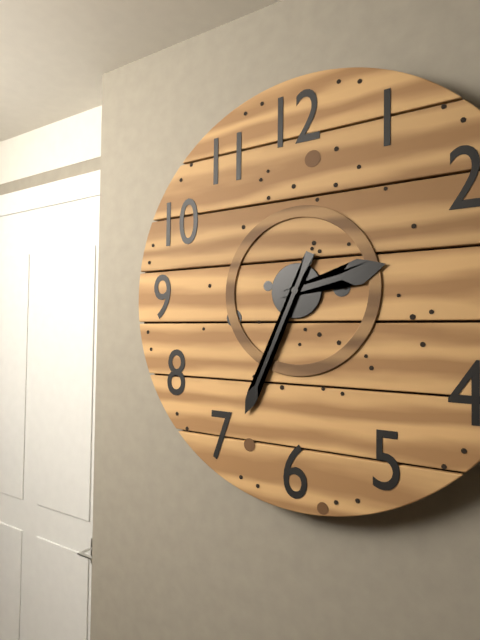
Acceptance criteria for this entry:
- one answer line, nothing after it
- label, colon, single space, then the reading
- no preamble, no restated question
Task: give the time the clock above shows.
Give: 2:34
